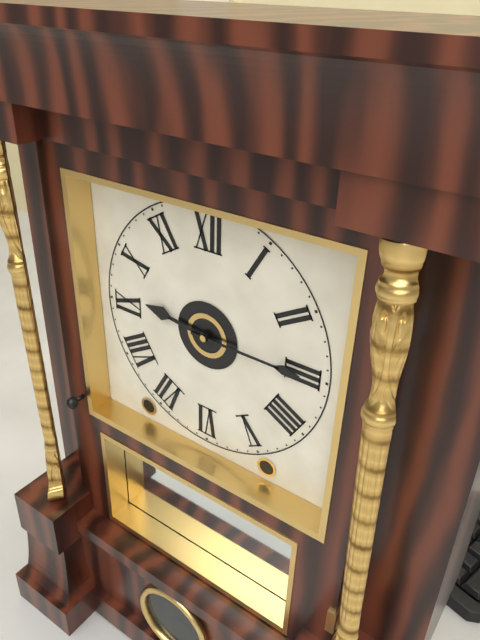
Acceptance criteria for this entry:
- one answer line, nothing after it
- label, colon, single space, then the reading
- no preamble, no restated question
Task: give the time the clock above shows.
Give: 9:15
